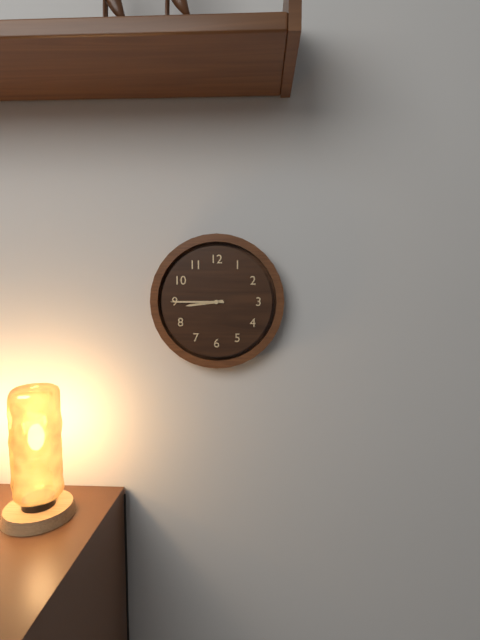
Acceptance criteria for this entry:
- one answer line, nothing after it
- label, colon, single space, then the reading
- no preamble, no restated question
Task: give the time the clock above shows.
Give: 8:45
